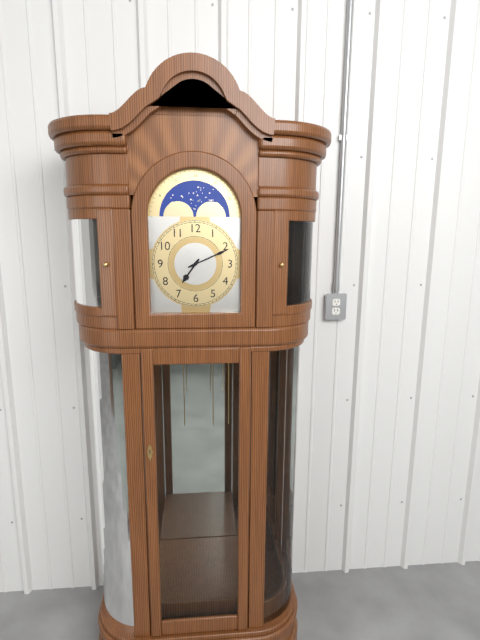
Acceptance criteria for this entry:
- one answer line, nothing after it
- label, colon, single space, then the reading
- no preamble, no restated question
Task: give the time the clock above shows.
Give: 7:11
